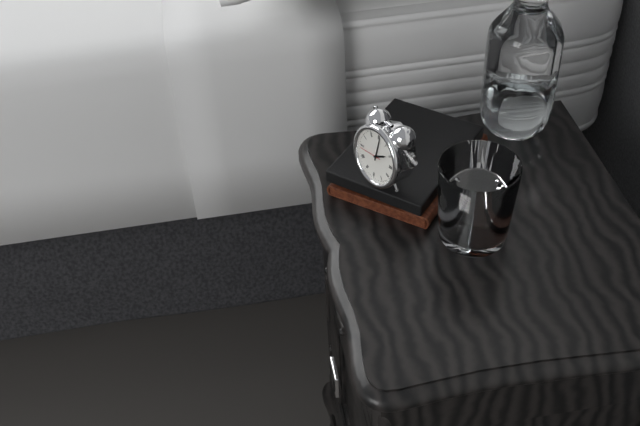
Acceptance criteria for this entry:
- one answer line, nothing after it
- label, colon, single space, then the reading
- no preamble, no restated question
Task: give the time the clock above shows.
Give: 2:01
